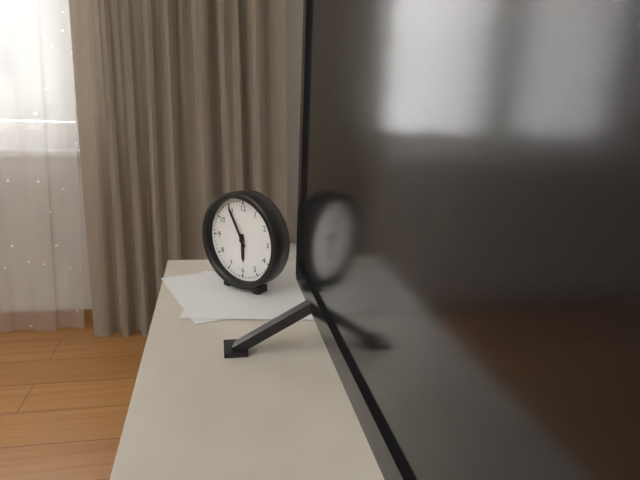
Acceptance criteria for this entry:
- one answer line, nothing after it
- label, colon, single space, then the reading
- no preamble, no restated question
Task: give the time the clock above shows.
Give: 5:55
